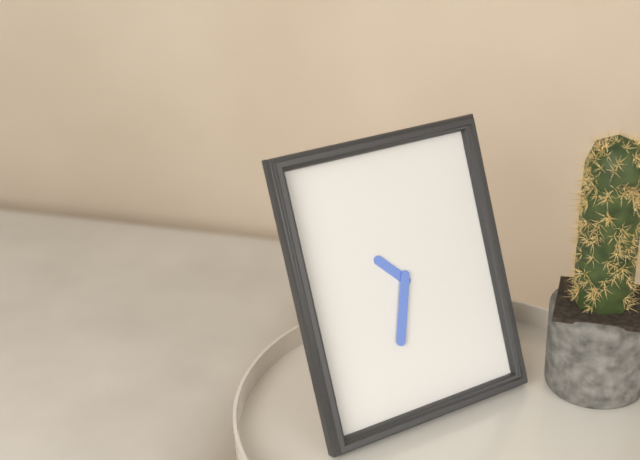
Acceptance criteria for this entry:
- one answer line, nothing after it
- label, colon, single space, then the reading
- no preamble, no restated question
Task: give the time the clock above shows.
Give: 10:33
